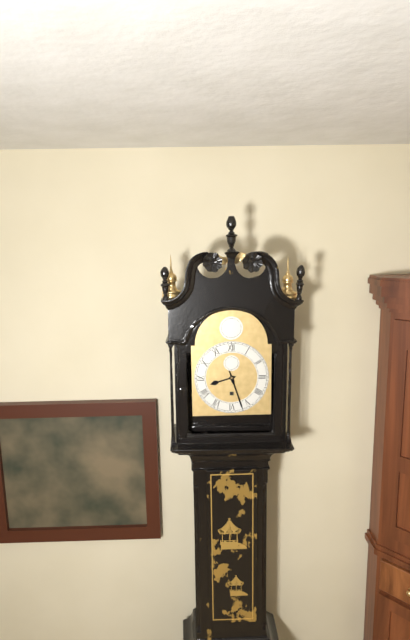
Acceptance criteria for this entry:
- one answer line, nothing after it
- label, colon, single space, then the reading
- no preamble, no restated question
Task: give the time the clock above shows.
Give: 8:27
